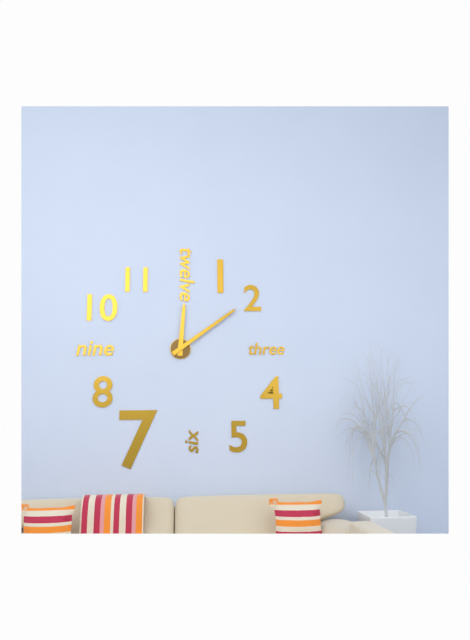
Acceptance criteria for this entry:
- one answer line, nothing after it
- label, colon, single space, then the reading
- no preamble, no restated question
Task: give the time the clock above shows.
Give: 12:09
